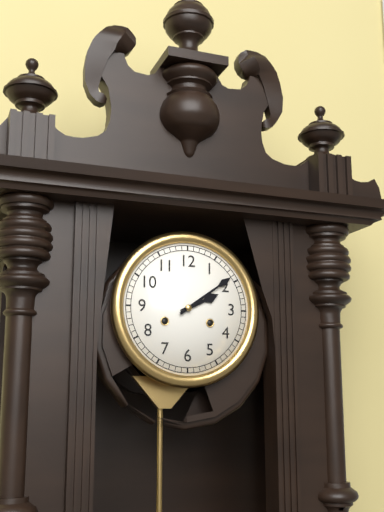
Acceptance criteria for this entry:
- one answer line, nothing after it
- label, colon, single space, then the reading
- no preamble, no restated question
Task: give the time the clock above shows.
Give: 2:09
